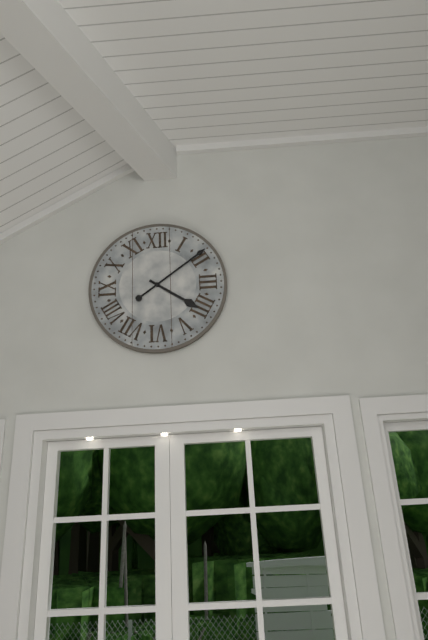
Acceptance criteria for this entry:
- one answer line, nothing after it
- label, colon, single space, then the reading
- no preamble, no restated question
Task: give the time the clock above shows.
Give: 4:09
